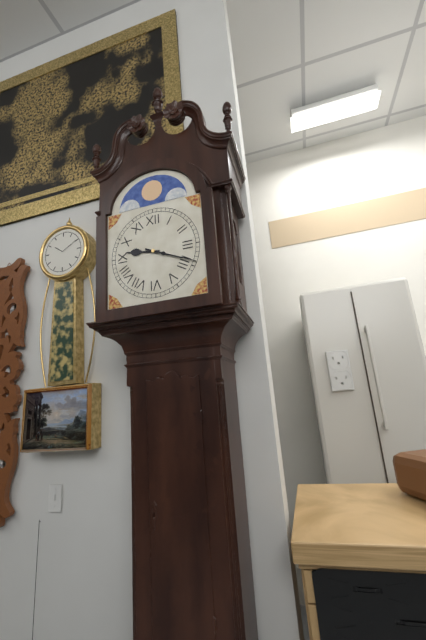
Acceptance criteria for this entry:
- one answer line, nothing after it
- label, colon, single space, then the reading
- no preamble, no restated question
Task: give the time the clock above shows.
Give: 9:19
